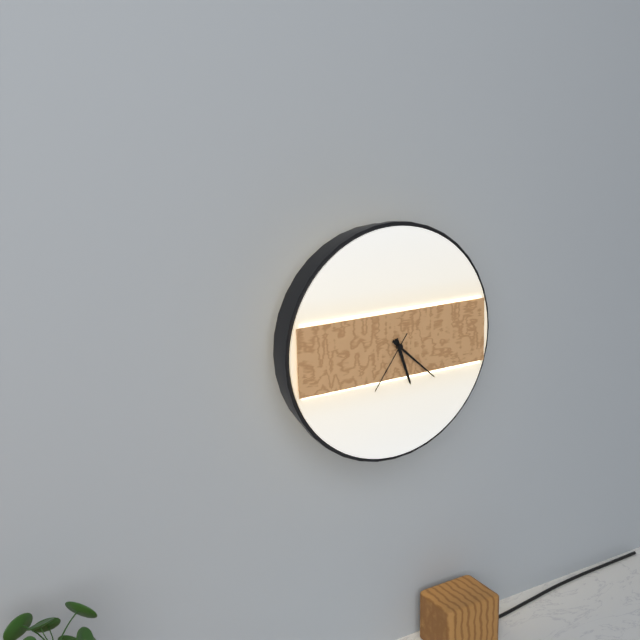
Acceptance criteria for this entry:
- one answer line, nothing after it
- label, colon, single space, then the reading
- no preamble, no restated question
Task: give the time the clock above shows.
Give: 5:22:36
